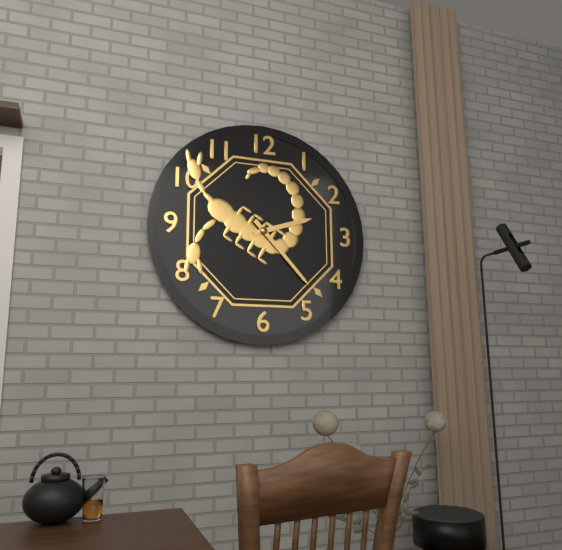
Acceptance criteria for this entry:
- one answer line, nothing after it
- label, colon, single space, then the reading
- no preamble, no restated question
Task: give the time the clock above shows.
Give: 2:23
